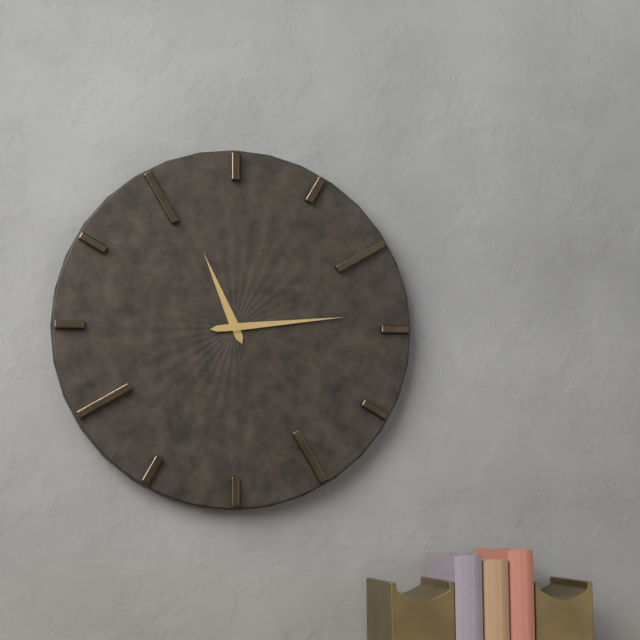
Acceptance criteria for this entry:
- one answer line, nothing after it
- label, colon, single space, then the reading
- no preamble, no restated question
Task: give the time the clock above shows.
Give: 11:14
